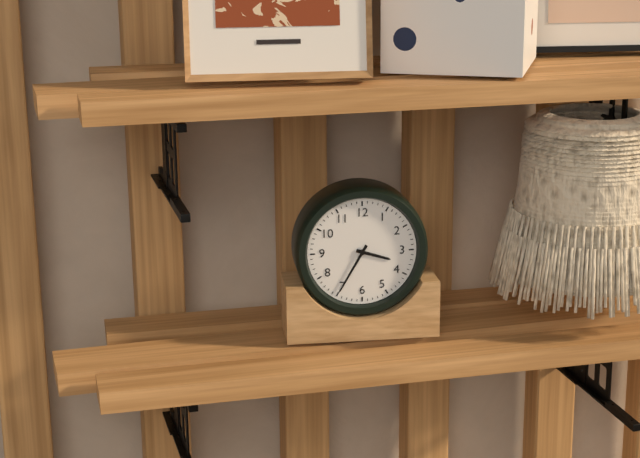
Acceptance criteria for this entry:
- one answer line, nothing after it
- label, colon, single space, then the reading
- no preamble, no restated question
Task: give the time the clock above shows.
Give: 3:35
